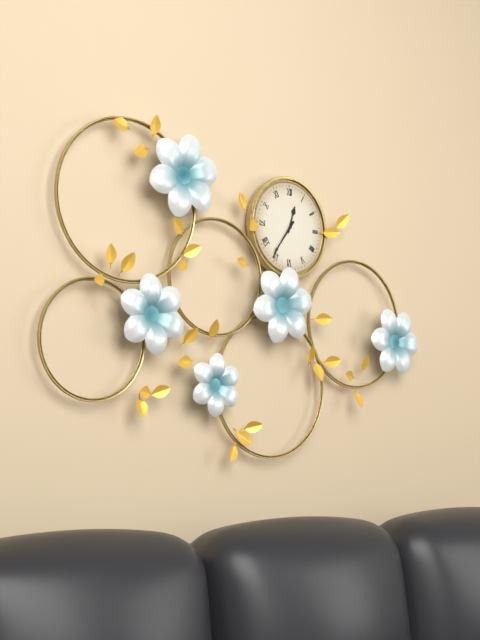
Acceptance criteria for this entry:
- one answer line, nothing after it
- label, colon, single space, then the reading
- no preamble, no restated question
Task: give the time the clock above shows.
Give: 12:36
